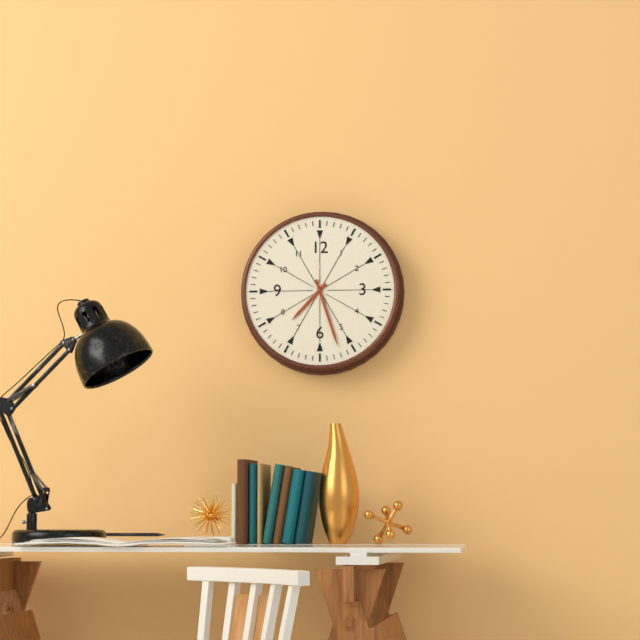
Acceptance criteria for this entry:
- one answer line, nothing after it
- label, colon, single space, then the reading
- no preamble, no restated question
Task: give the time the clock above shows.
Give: 7:27
